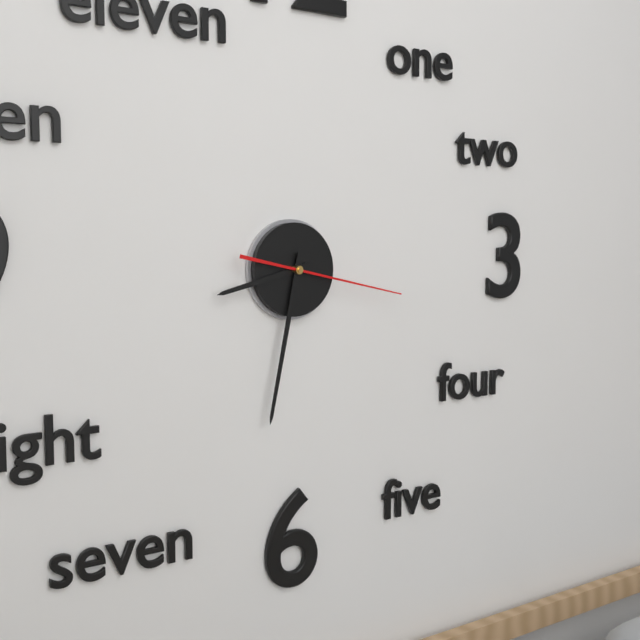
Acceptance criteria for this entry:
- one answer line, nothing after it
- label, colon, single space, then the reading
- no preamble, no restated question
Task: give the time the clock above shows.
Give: 8:32:17
